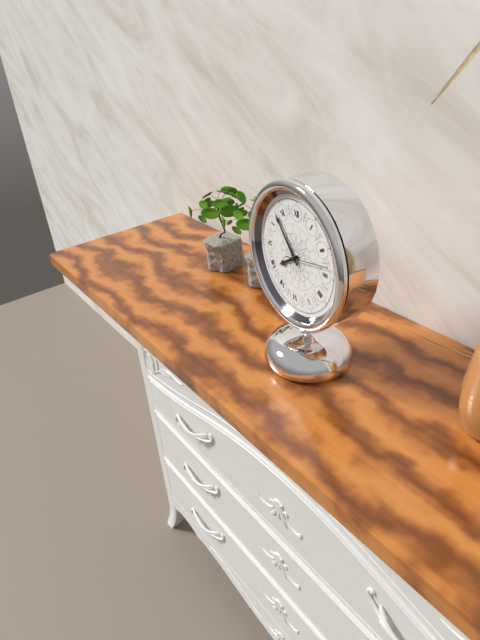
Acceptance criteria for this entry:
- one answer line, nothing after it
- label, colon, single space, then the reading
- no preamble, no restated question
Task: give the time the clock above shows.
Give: 7:53
